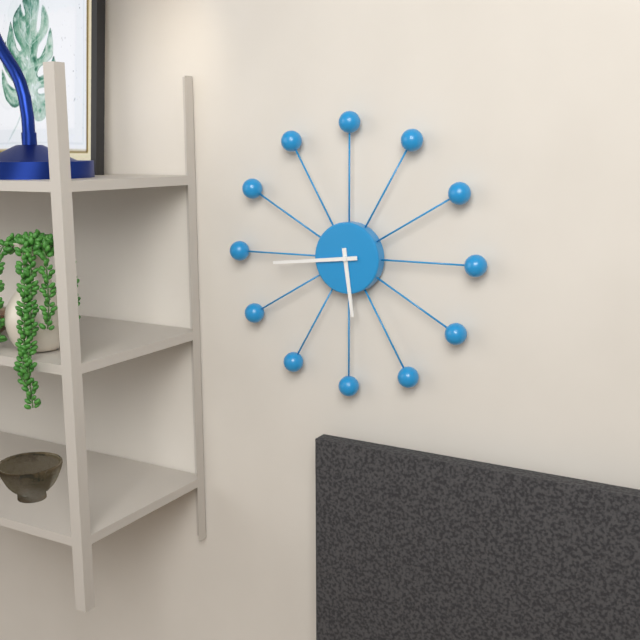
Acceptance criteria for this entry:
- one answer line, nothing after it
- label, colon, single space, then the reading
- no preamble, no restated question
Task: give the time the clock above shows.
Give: 5:44
